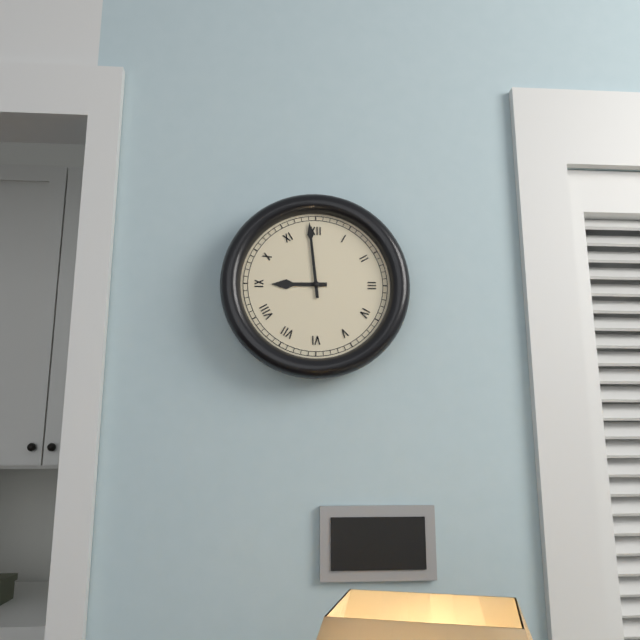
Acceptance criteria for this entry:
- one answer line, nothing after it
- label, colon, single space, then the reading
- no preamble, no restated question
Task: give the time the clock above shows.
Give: 8:59
